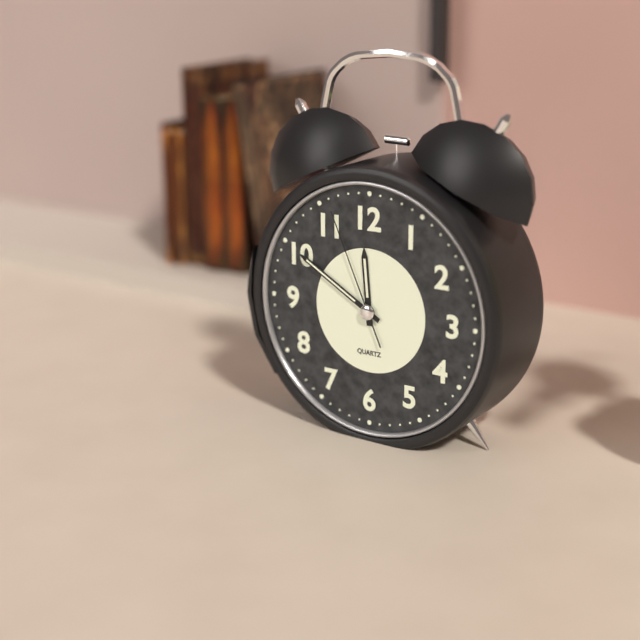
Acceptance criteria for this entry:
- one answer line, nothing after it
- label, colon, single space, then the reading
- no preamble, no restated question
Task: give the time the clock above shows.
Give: 11:50:56
